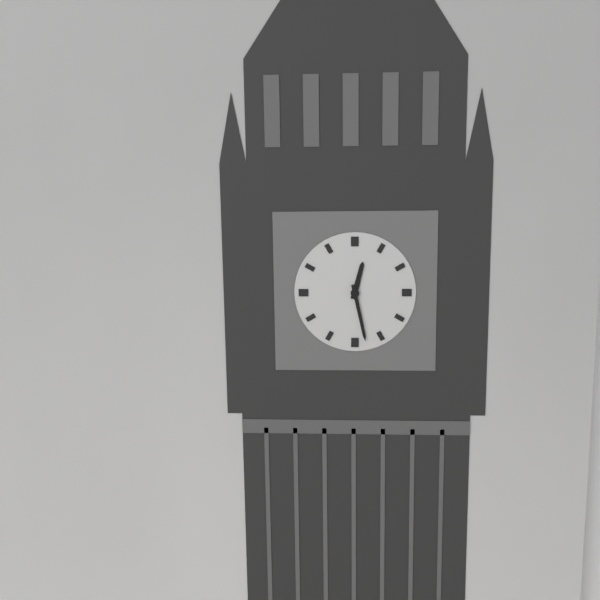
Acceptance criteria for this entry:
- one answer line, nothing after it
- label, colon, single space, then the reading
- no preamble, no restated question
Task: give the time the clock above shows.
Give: 12:28
